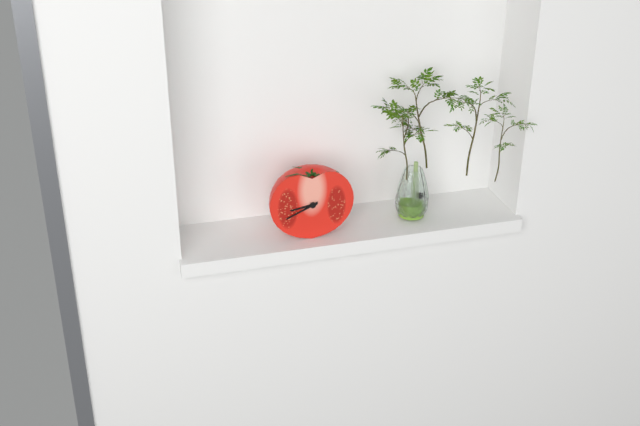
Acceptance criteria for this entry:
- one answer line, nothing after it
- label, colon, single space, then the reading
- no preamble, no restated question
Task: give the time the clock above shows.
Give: 8:41
